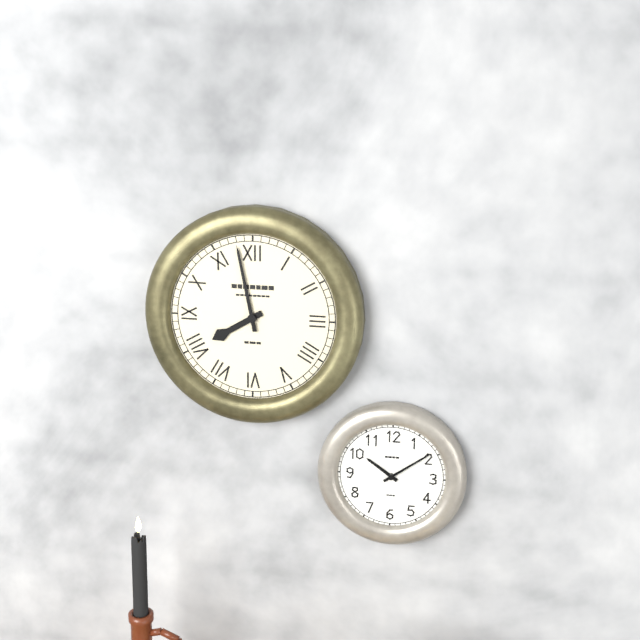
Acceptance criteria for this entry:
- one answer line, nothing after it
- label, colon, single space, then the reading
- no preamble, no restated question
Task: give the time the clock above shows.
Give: 7:58
